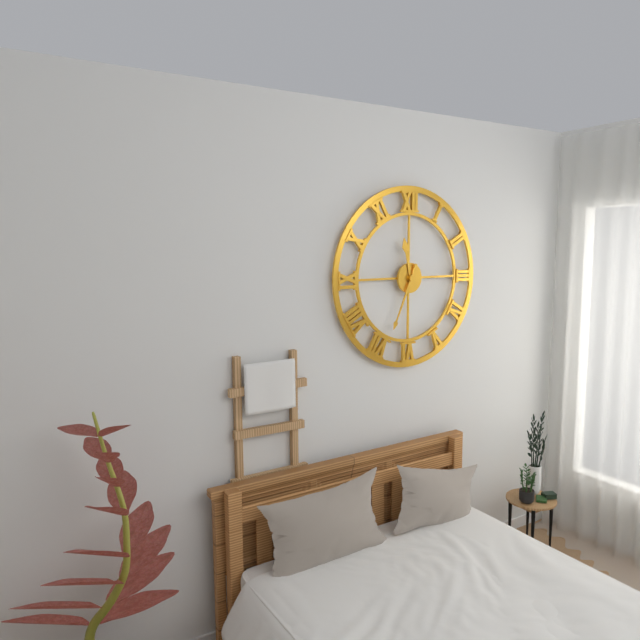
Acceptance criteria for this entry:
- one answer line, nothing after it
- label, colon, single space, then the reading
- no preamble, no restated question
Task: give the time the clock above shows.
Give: 11:34
